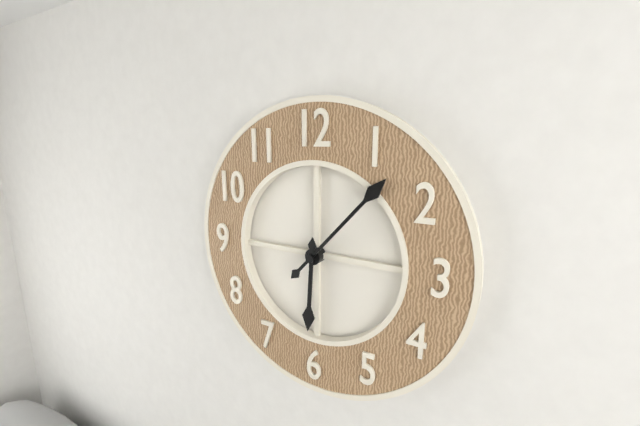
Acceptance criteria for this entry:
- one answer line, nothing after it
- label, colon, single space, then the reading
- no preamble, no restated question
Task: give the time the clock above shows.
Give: 6:07
